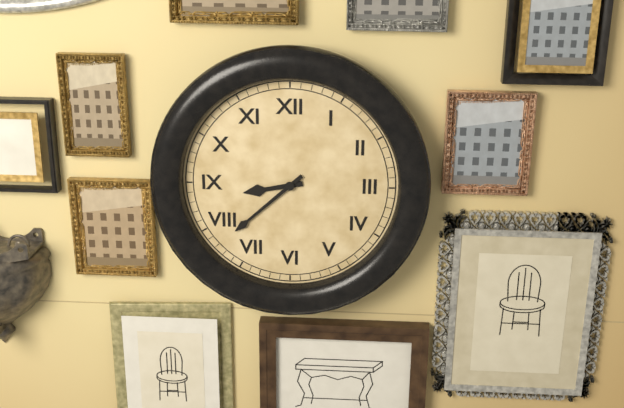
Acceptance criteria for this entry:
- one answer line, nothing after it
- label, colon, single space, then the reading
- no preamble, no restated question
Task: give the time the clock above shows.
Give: 8:38
